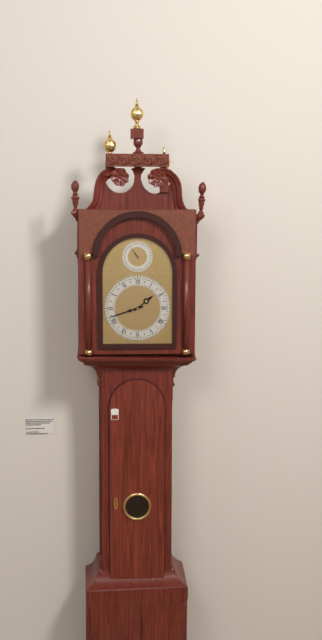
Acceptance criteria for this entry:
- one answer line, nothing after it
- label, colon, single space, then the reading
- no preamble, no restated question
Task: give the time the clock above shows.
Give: 1:42
